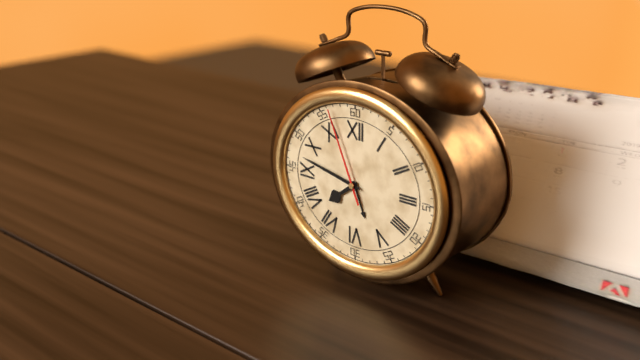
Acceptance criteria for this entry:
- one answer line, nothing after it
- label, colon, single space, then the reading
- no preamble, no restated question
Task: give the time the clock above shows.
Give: 7:47:56
